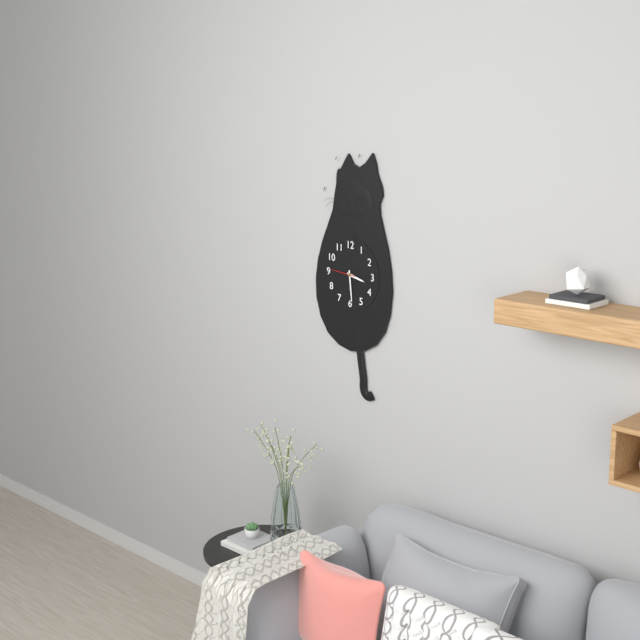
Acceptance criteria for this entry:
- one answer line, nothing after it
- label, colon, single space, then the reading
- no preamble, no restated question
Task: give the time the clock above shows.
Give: 3:29
